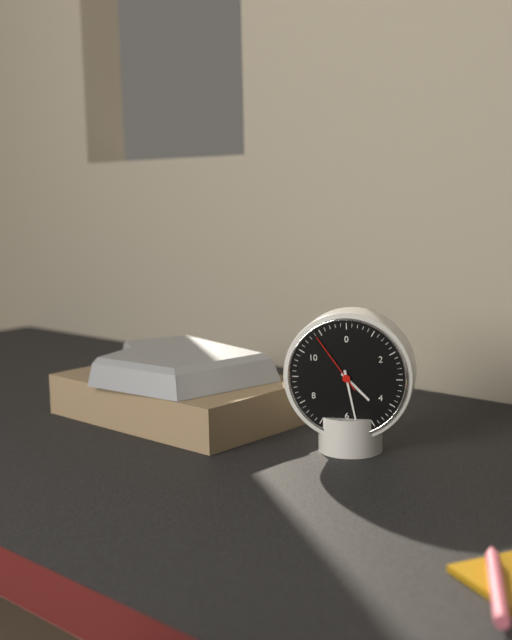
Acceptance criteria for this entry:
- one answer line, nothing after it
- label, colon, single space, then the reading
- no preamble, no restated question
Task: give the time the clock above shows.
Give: 4:28:54
